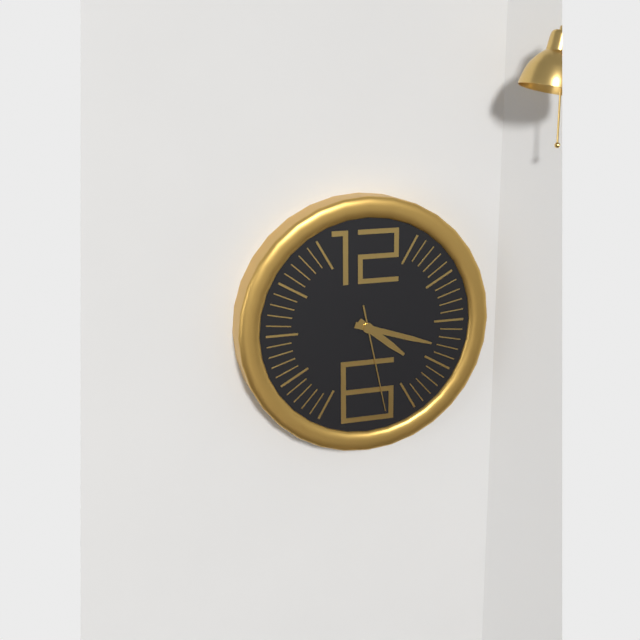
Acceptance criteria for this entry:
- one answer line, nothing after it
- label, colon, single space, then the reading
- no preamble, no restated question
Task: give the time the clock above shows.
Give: 4:18:28
